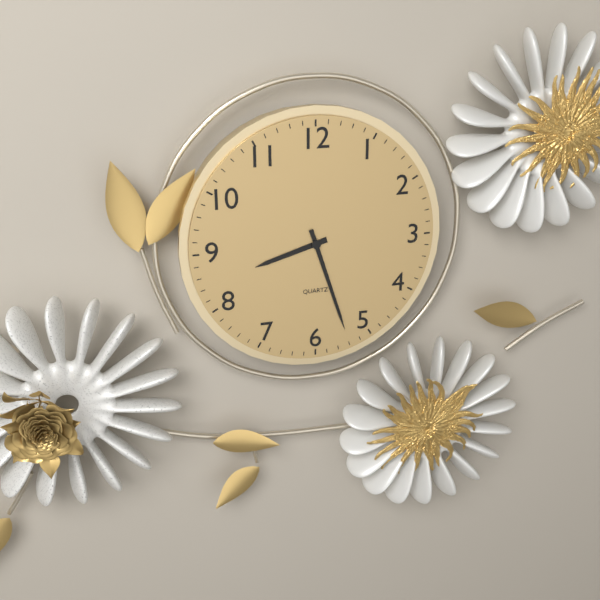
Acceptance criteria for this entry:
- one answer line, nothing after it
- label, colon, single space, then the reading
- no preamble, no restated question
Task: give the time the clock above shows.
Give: 8:27
